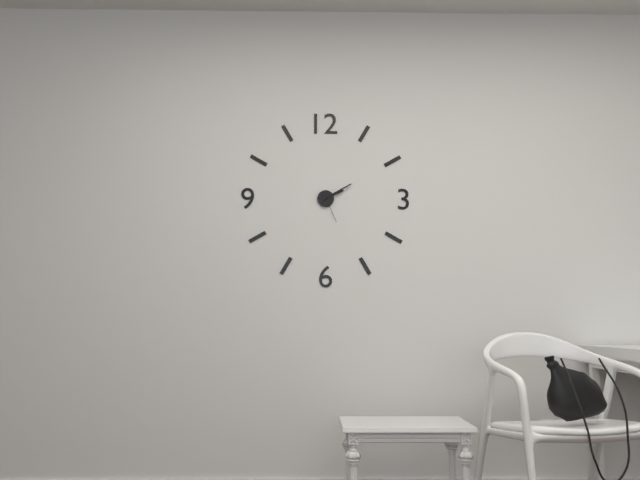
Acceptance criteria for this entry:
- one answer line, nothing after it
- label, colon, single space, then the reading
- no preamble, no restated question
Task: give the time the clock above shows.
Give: 2:10
